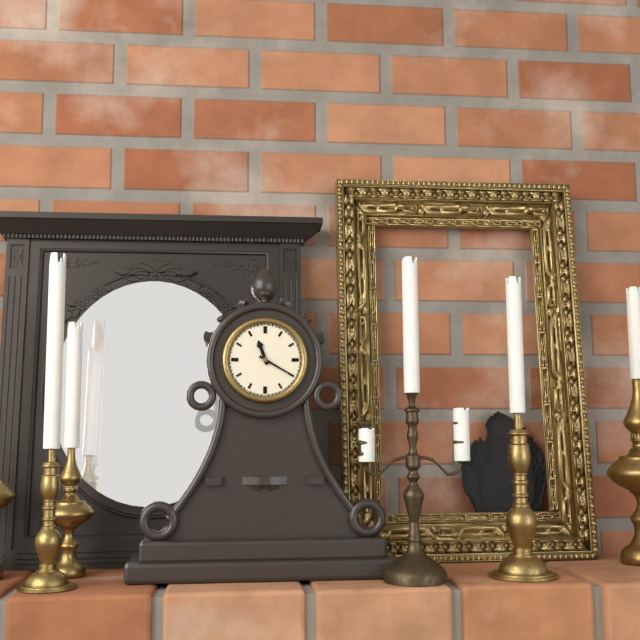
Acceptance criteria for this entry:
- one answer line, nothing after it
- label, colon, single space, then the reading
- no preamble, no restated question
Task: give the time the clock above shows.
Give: 11:20
